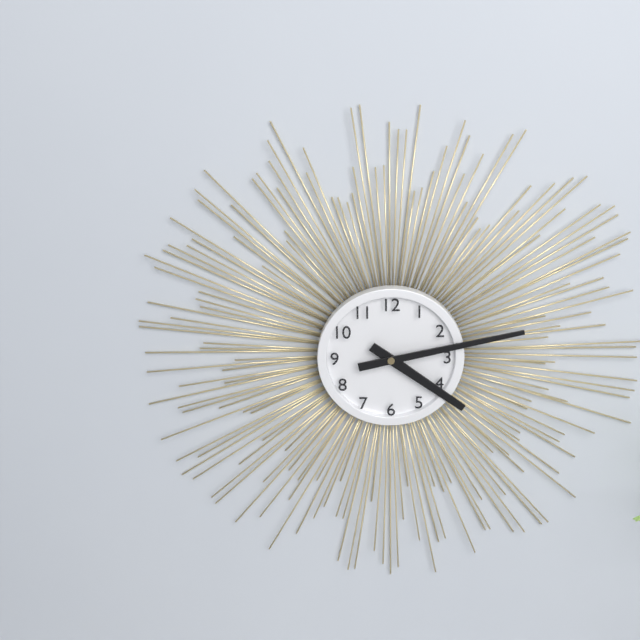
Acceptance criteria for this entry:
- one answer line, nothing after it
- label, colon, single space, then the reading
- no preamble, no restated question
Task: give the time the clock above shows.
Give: 4:13
